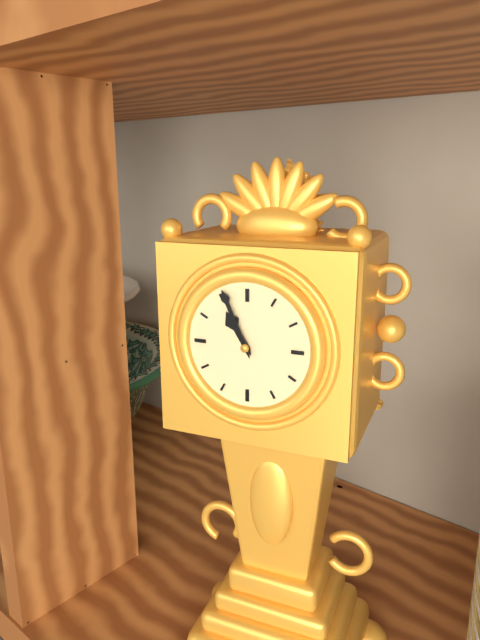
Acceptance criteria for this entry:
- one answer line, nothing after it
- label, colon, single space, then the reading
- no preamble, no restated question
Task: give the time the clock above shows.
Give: 10:56
